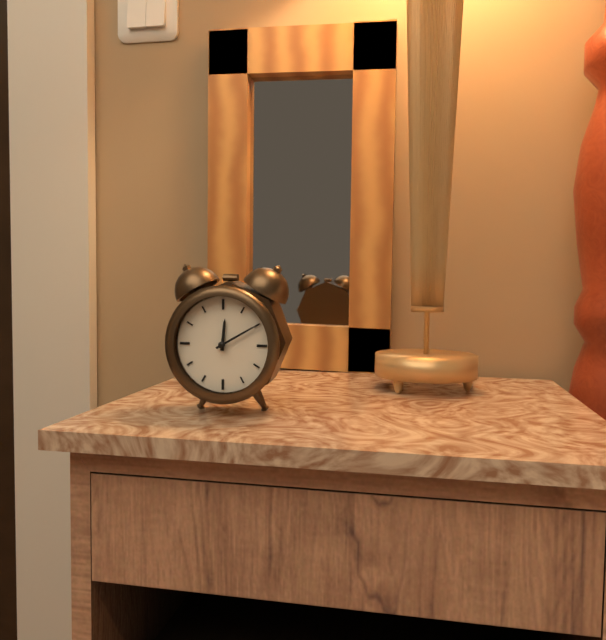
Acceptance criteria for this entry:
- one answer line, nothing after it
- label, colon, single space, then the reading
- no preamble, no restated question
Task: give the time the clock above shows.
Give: 12:10
